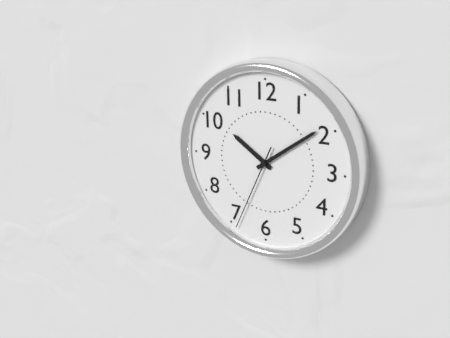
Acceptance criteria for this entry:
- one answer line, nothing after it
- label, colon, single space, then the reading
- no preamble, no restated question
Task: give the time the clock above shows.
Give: 10:09:34
